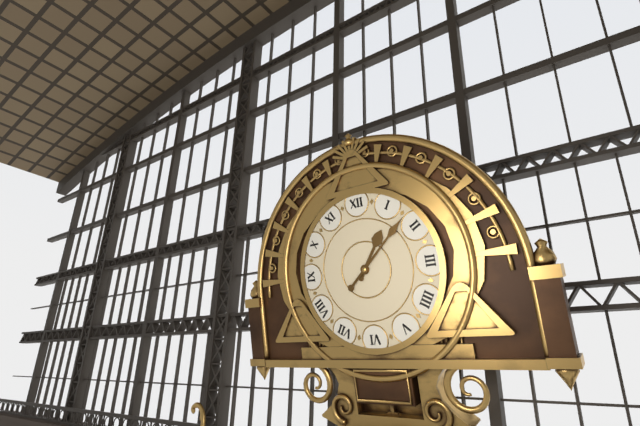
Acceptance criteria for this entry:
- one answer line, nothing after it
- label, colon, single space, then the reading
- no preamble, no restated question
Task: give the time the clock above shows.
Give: 1:08
